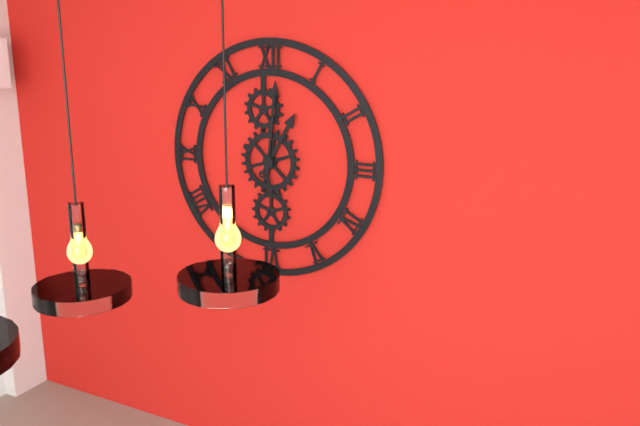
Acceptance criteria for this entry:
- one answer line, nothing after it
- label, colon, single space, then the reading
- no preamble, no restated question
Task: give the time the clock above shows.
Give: 1:01
